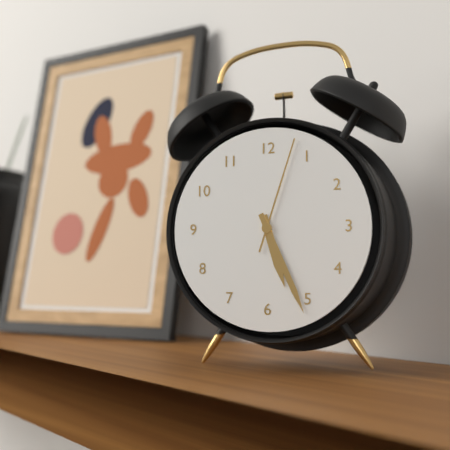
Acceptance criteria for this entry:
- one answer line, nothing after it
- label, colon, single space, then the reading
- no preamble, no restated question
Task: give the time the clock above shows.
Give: 5:26:03
